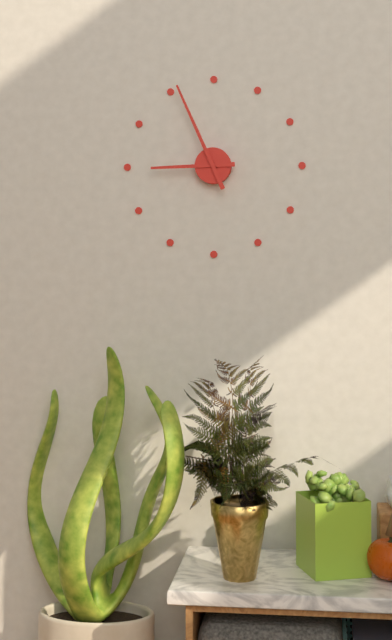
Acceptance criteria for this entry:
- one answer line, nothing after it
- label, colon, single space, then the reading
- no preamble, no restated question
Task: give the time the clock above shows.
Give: 8:56
